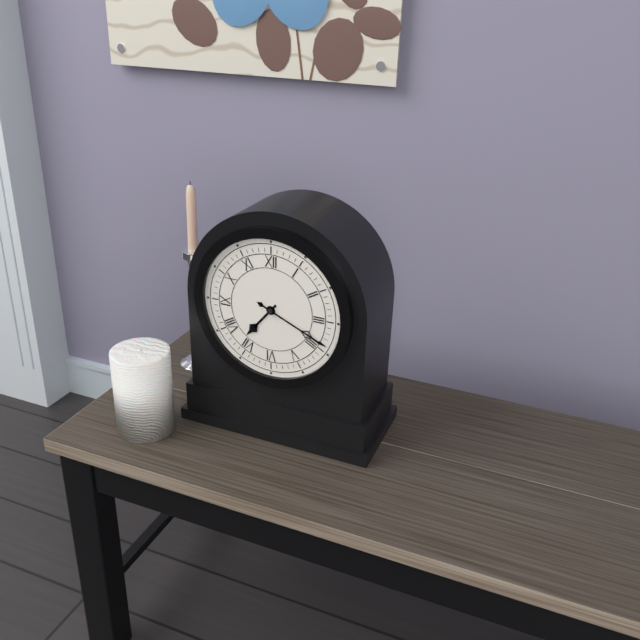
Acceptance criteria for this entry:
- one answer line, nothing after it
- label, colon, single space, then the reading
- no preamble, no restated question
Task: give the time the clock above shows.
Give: 7:19
